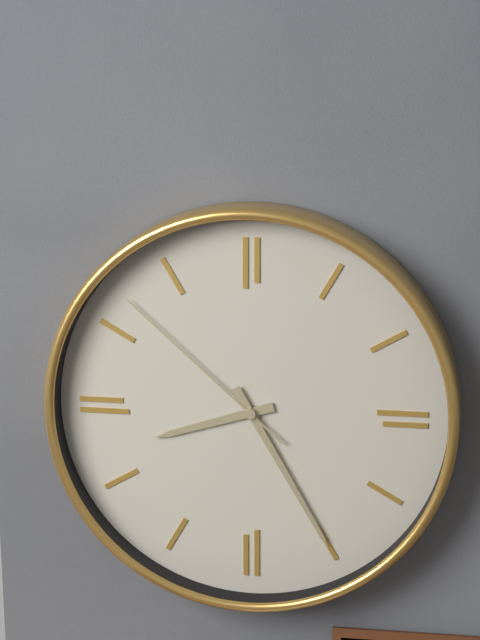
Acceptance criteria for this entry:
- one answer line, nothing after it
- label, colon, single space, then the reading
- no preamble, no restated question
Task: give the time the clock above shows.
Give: 8:25:52
